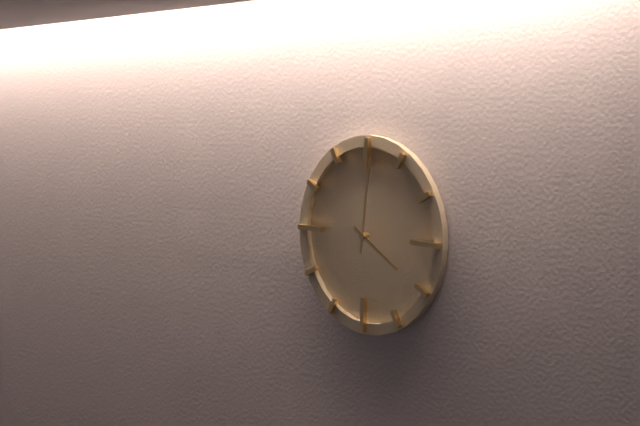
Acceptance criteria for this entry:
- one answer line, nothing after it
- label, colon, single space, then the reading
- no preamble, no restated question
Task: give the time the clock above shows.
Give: 4:01
